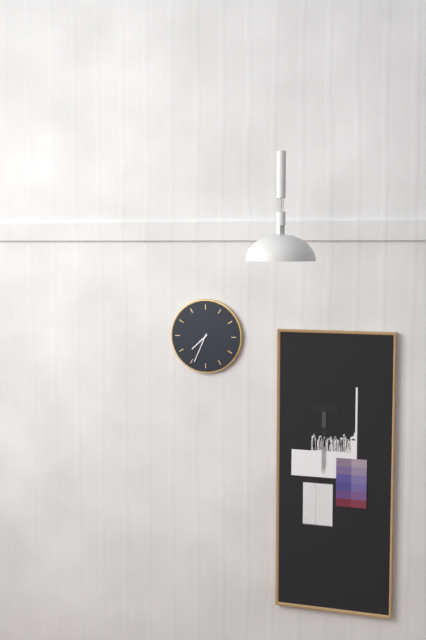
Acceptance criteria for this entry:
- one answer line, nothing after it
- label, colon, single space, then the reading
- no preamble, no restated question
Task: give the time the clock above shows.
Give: 7:34
